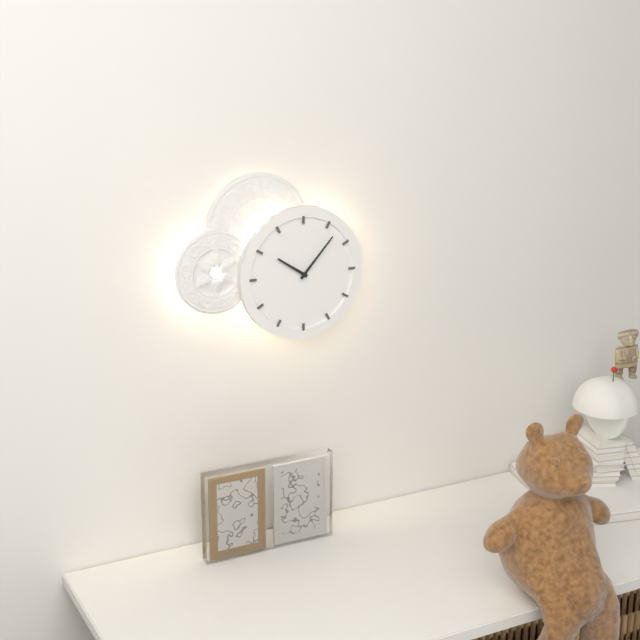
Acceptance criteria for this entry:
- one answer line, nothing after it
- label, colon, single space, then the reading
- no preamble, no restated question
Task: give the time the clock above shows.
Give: 10:07
